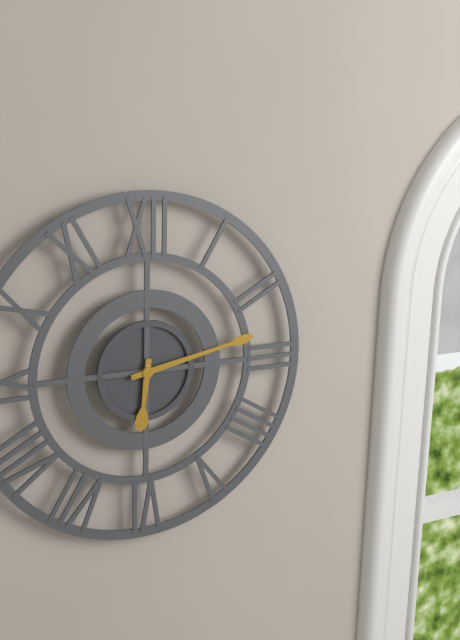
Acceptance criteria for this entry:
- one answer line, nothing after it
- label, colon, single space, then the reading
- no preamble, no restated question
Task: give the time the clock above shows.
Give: 6:13
